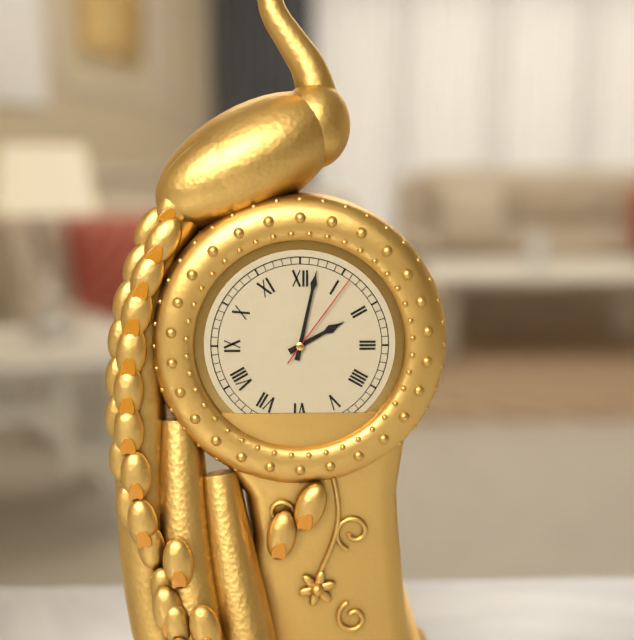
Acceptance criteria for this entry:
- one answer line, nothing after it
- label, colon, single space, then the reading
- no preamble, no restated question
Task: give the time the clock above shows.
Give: 2:02:06
